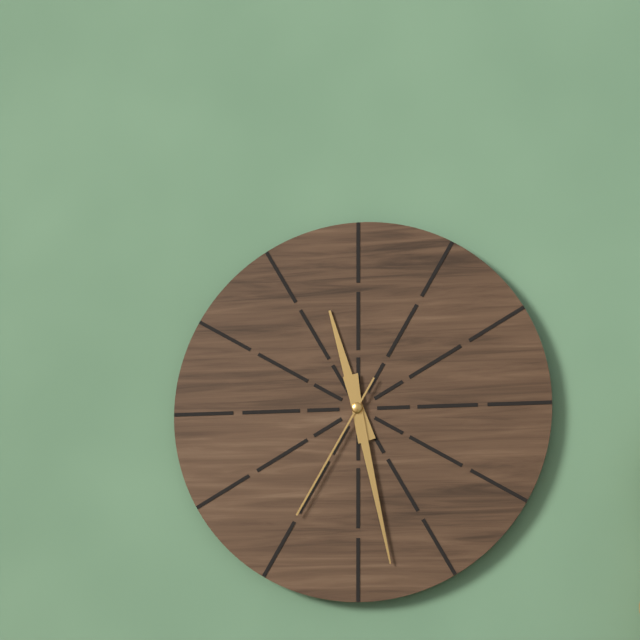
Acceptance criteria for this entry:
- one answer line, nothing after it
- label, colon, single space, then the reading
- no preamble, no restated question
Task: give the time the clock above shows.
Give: 11:28:35
